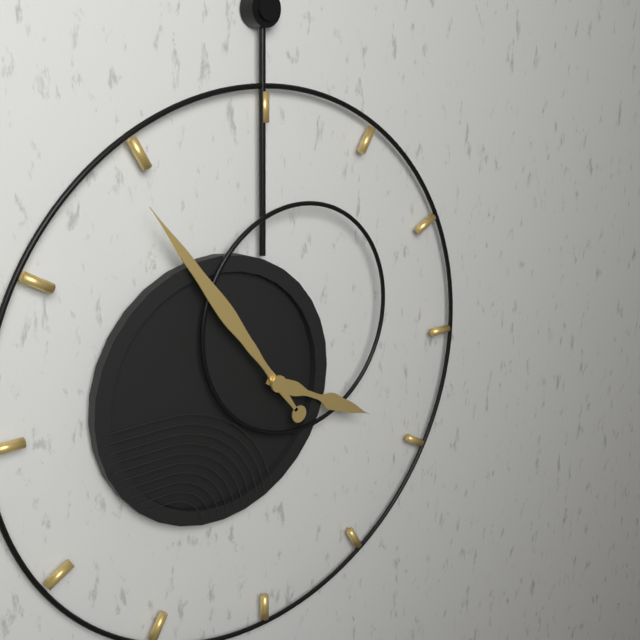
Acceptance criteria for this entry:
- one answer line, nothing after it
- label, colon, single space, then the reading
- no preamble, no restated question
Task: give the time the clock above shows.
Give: 3:54
